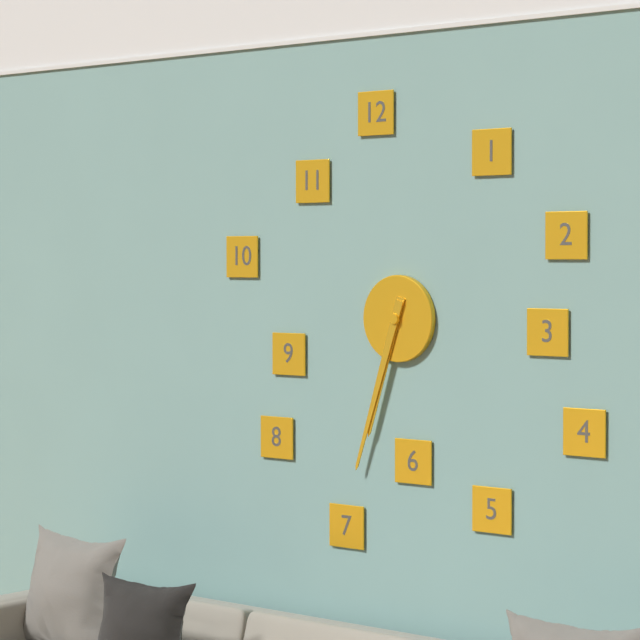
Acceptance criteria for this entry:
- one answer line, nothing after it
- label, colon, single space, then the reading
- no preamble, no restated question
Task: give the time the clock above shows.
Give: 6:33
